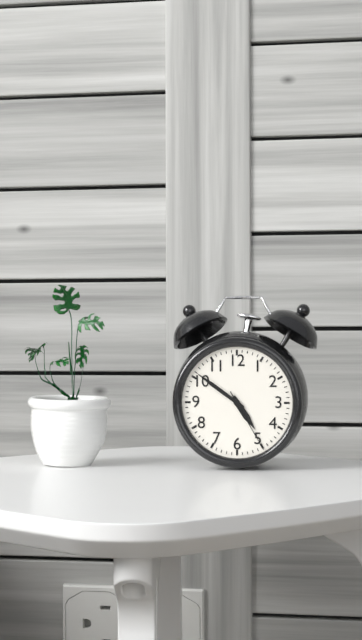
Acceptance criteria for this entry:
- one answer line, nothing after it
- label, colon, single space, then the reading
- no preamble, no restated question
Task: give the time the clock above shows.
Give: 4:51:25
